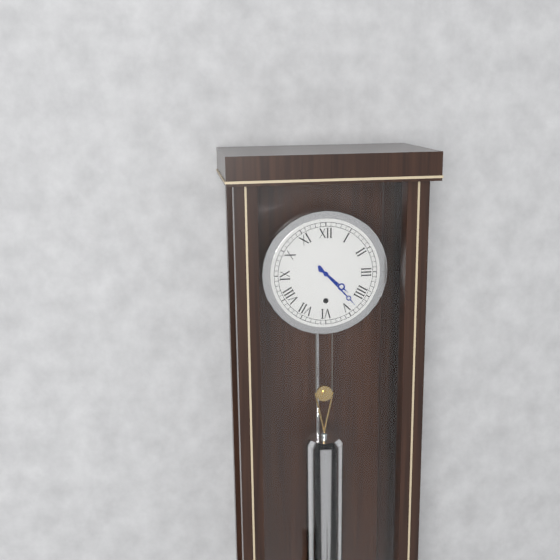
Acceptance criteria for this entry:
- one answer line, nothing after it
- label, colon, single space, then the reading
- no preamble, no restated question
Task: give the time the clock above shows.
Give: 4:23
